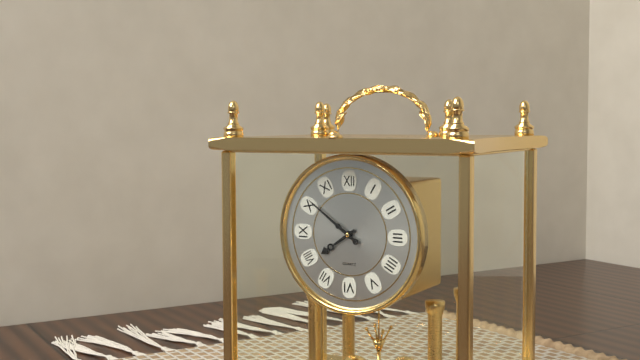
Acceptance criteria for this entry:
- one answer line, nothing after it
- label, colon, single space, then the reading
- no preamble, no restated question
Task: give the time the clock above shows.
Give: 7:51
